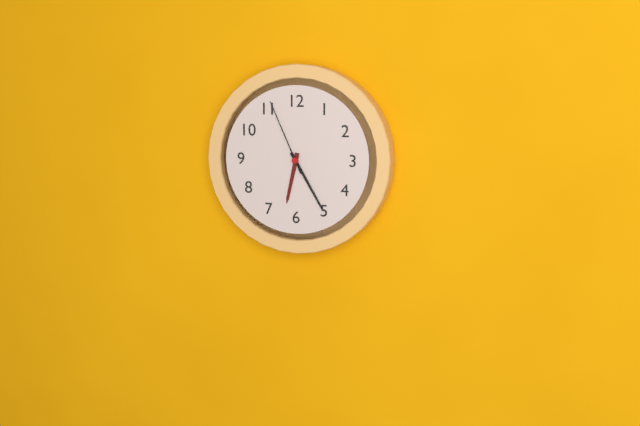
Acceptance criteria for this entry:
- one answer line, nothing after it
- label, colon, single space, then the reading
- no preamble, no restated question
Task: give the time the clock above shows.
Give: 6:25:56
